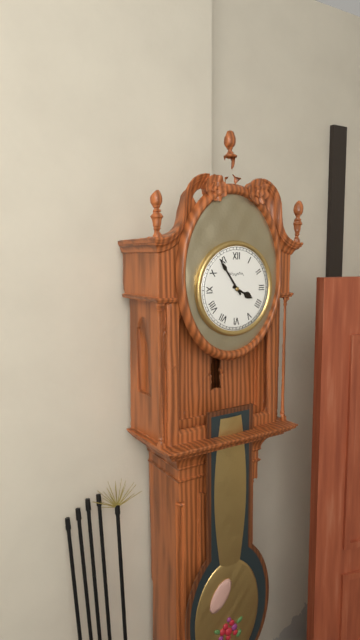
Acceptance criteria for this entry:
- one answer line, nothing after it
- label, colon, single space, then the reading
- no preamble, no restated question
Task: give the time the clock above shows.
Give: 3:54
